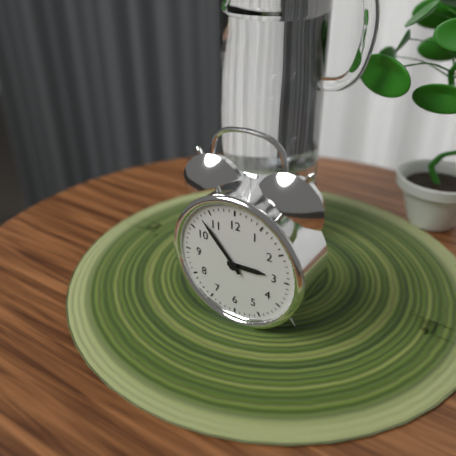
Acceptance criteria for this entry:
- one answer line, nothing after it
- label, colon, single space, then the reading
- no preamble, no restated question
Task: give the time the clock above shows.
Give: 2:53
